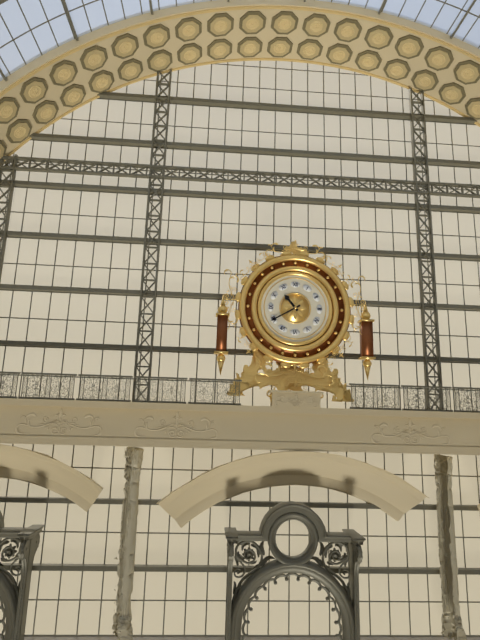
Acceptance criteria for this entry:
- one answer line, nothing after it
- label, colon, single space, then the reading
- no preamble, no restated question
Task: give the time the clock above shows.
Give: 10:40
